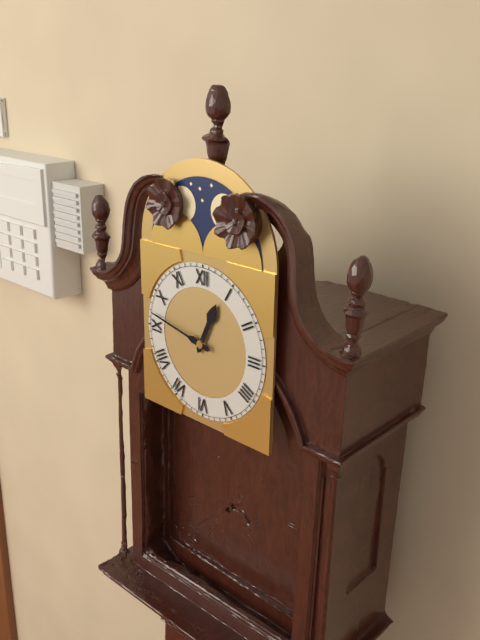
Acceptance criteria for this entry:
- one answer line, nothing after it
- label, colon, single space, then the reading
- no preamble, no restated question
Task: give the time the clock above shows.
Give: 12:47
